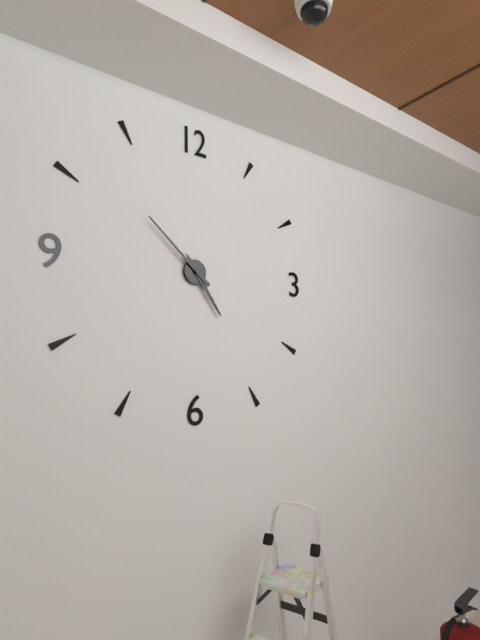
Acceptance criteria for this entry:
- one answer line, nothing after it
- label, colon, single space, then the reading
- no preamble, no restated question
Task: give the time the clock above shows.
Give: 4:52
